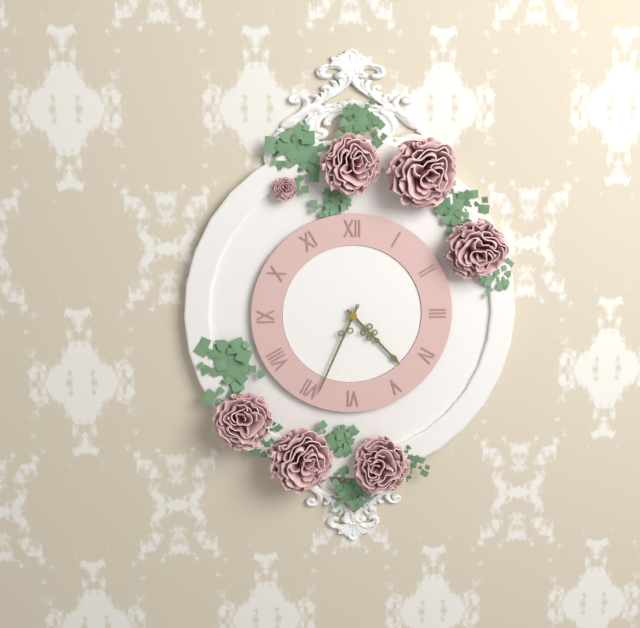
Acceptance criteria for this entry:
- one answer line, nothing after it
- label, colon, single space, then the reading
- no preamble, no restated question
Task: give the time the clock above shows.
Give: 4:34
